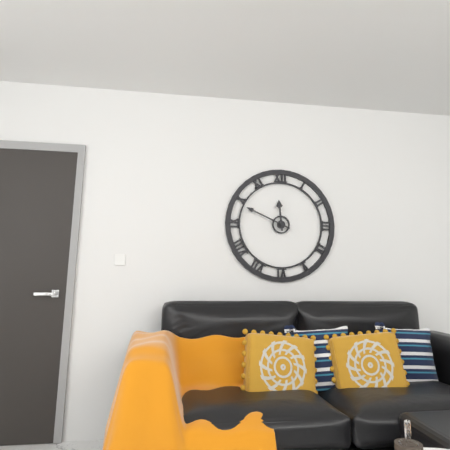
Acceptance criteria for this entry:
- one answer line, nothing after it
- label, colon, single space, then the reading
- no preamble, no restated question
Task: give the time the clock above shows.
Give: 11:49
